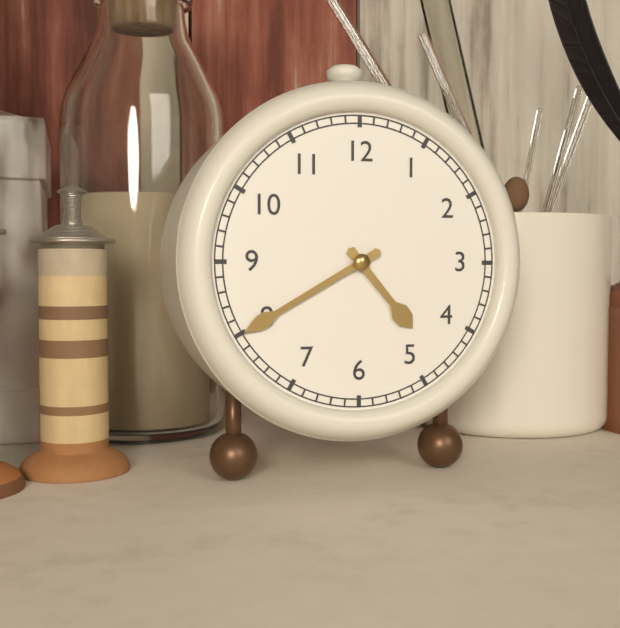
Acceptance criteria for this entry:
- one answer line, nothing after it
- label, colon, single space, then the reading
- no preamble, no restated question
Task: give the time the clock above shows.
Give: 4:40
